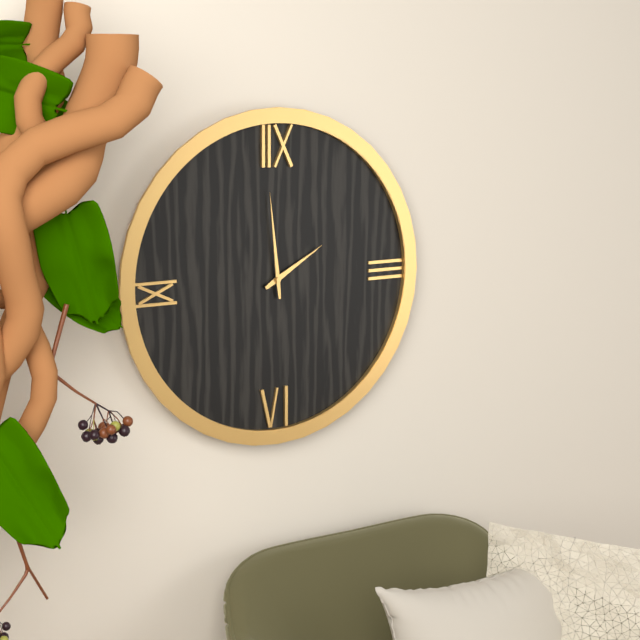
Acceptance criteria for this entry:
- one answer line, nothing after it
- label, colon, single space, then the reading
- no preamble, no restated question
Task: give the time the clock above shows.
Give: 1:59
